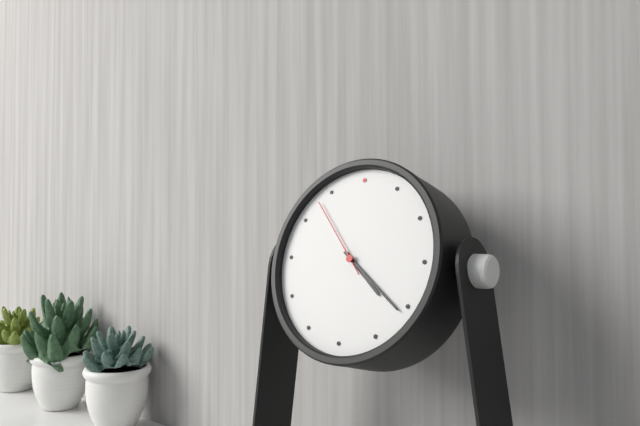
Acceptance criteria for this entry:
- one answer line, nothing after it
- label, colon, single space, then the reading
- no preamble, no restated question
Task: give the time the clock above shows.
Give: 4:21:53
